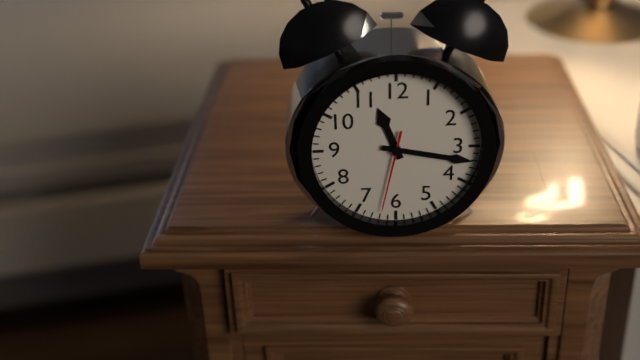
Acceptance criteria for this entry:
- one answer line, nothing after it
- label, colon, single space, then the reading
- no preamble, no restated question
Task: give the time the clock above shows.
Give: 11:17:32
